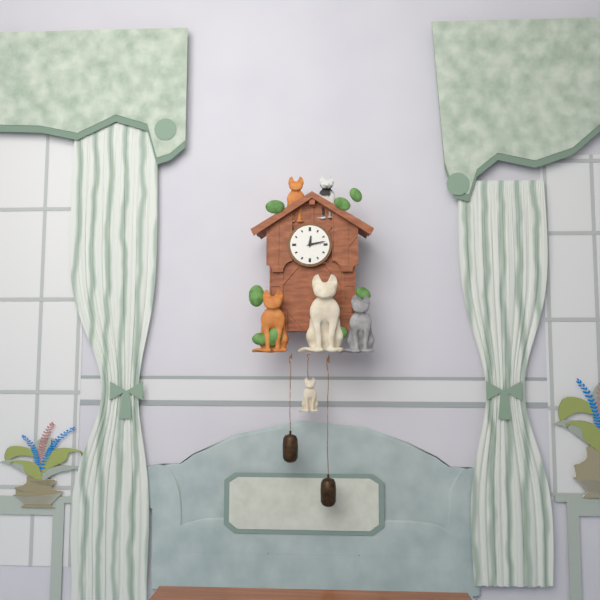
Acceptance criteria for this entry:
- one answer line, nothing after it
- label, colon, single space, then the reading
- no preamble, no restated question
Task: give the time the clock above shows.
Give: 12:13
